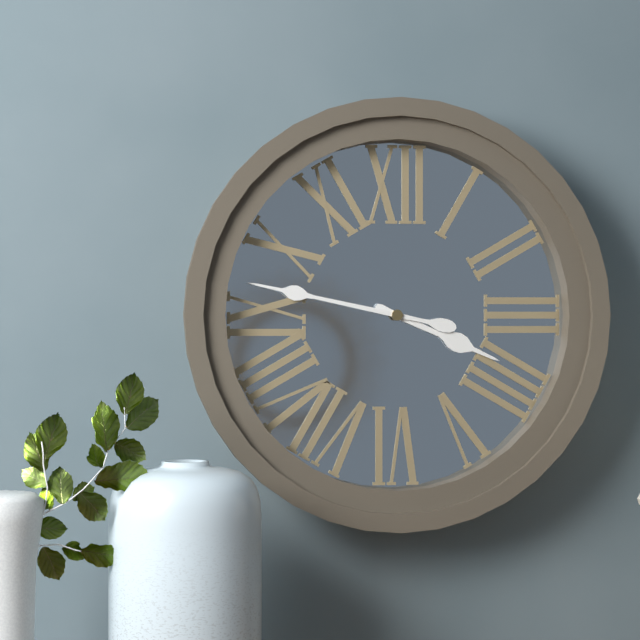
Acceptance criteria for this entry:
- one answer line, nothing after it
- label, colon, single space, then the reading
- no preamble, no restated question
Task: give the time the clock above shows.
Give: 3:47
